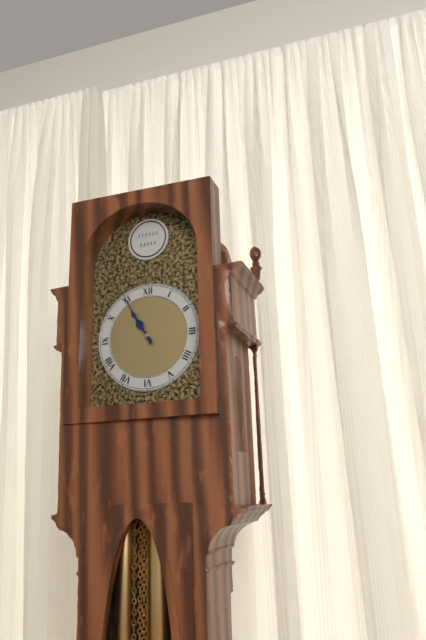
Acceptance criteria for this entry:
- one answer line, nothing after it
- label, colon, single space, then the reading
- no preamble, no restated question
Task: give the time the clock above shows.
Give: 10:55
